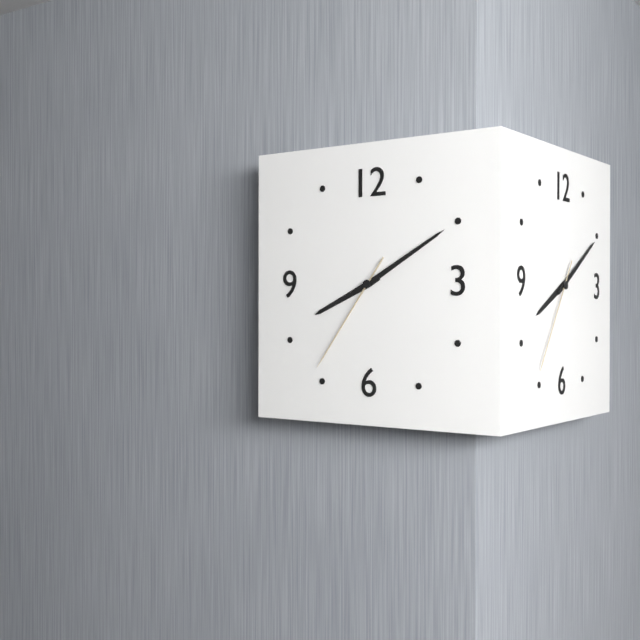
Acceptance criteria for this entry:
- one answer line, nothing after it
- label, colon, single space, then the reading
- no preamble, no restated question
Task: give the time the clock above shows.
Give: 8:10:36
